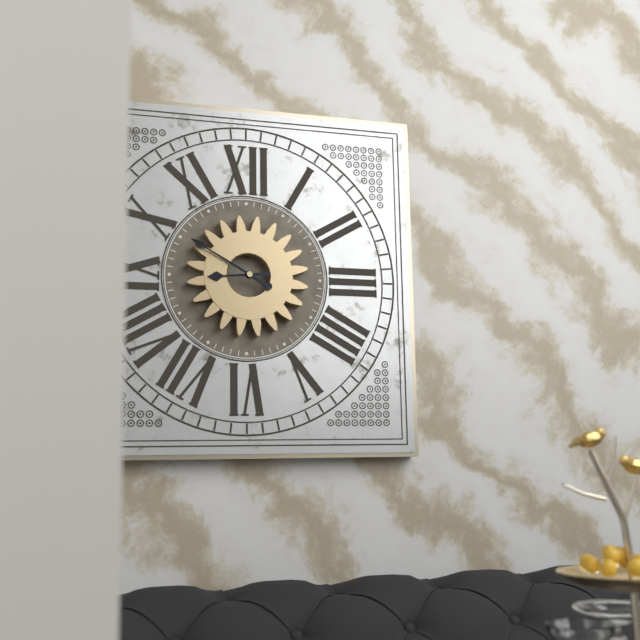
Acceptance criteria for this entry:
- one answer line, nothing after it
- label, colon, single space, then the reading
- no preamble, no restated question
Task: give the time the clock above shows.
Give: 8:50
